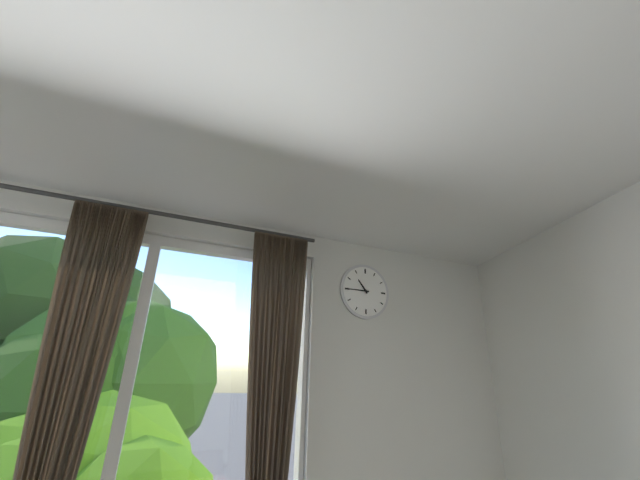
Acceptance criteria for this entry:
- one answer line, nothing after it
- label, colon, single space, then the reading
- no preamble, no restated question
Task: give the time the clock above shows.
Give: 10:45
